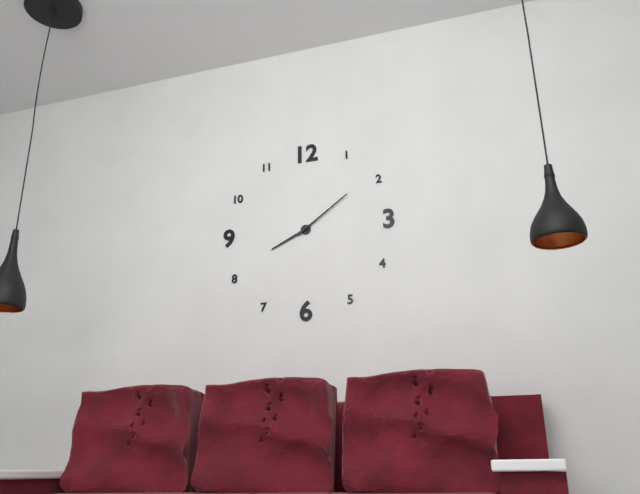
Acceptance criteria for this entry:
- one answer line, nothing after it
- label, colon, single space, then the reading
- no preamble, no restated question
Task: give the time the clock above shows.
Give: 8:09
